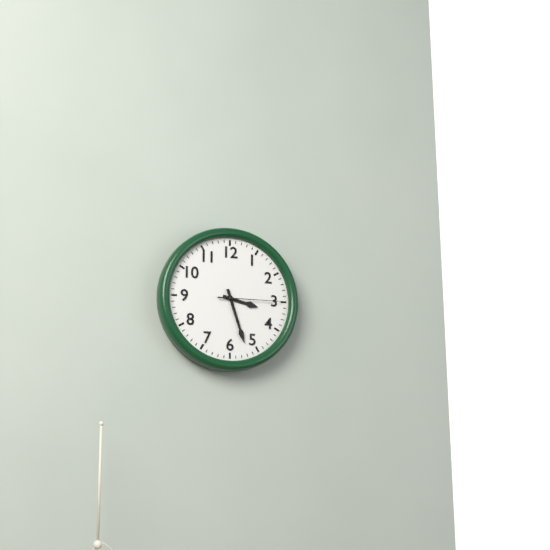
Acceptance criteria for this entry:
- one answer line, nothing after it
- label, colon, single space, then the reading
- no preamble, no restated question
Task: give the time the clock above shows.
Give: 3:27:15
